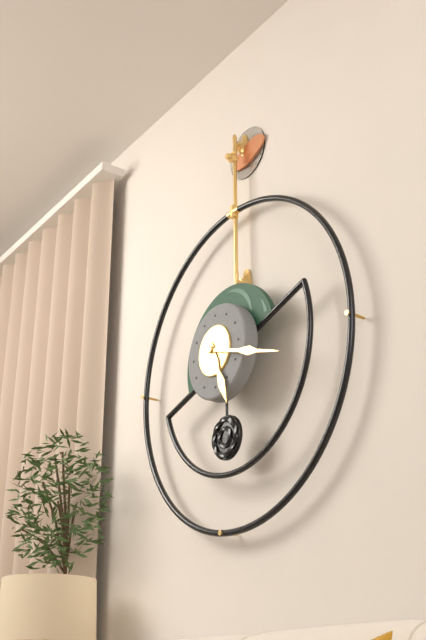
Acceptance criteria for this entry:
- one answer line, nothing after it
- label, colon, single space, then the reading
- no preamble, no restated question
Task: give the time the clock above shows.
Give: 5:18
